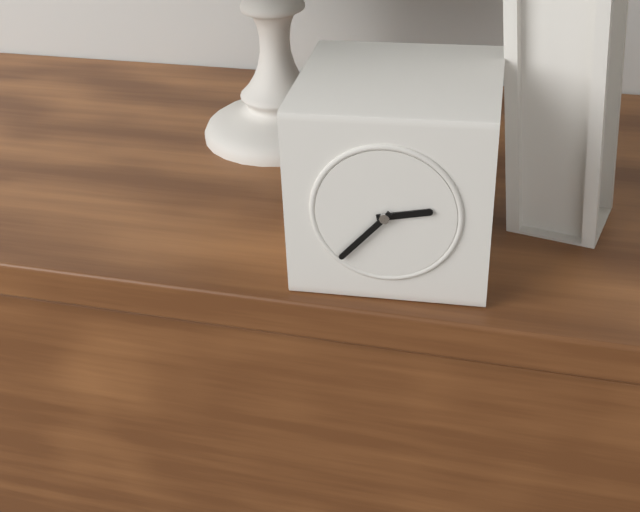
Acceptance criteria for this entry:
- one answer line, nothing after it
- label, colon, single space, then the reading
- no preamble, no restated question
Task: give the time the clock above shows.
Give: 2:37
